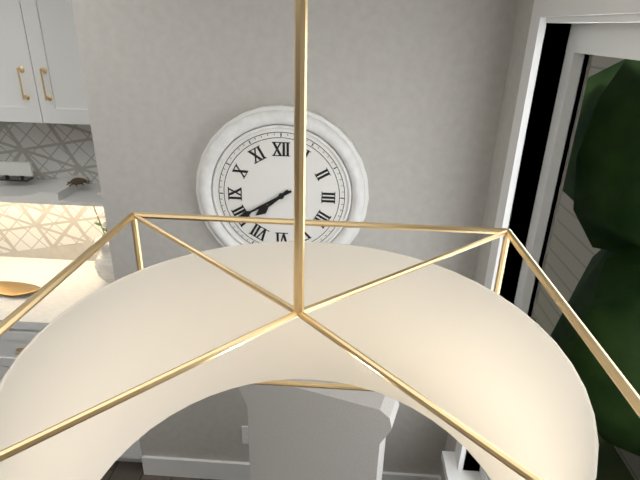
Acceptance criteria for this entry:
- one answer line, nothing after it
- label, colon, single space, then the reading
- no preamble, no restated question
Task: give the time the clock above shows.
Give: 7:40
